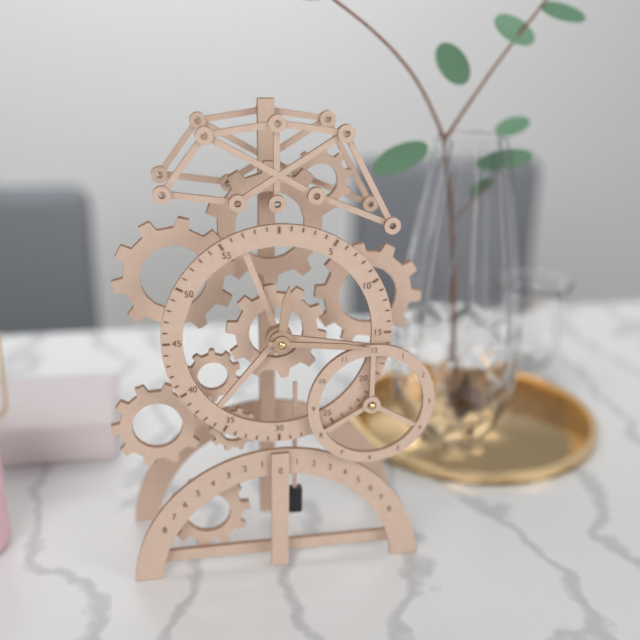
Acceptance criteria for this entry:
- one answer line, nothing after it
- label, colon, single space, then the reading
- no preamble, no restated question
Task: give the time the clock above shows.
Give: 12:16
